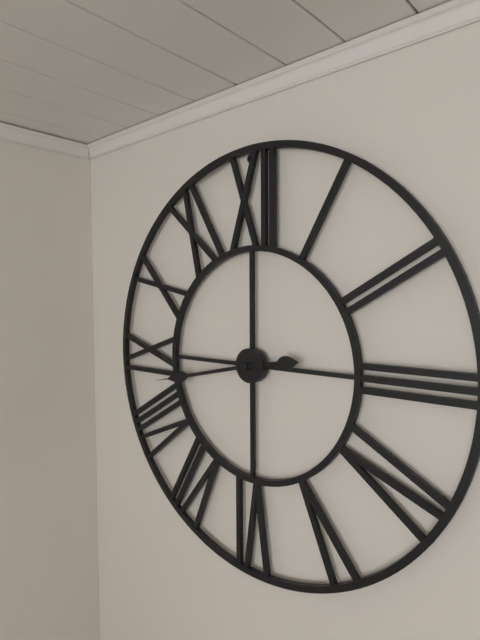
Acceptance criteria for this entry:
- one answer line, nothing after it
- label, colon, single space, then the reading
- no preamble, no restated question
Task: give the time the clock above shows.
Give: 2:43
